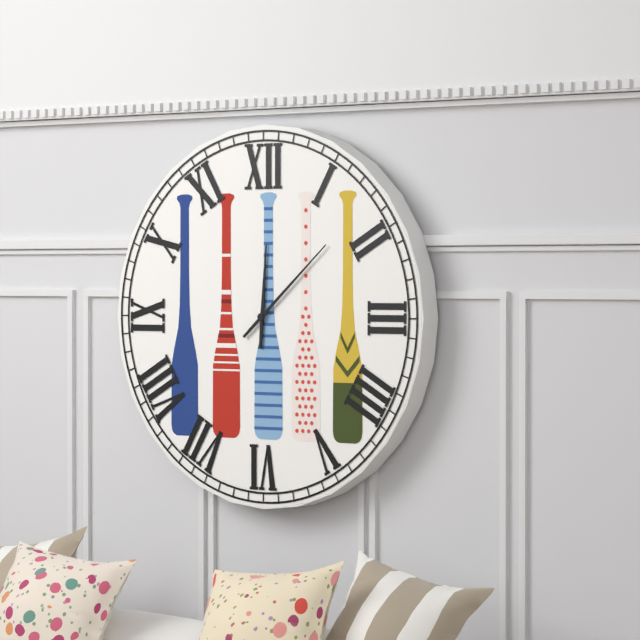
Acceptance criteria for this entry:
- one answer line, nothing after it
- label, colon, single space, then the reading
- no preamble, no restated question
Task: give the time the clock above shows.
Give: 12:08
